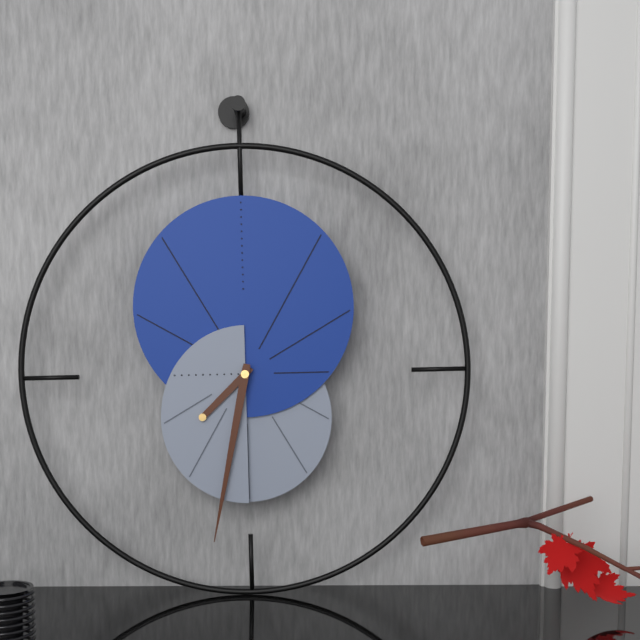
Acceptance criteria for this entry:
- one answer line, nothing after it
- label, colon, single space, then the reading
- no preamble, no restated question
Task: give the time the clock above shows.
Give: 7:32
